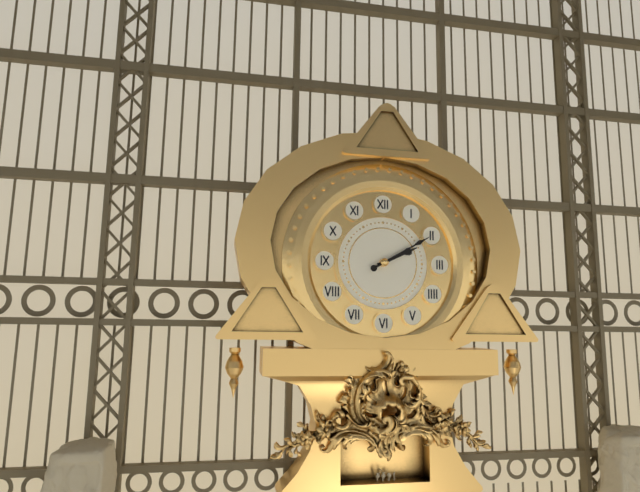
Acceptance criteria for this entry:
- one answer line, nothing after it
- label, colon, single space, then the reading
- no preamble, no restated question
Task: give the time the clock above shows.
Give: 2:10
